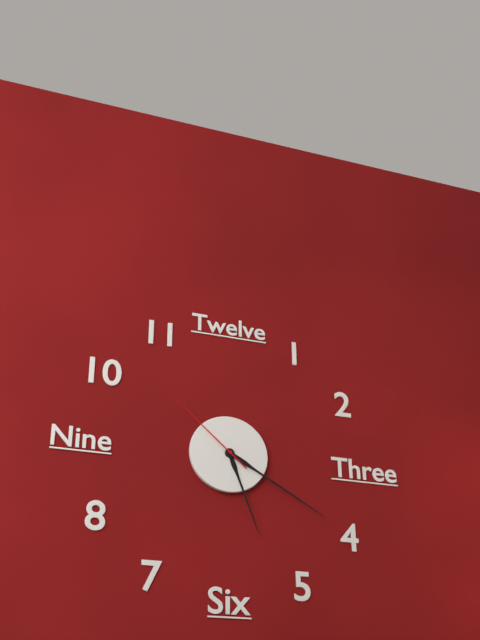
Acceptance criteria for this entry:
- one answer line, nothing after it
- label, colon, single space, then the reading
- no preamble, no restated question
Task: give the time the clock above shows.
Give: 5:20:52
